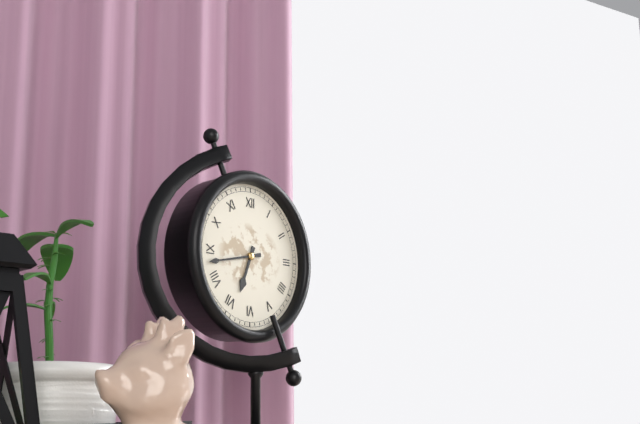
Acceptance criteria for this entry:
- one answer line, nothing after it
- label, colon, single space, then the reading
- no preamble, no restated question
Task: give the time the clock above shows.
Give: 6:43
